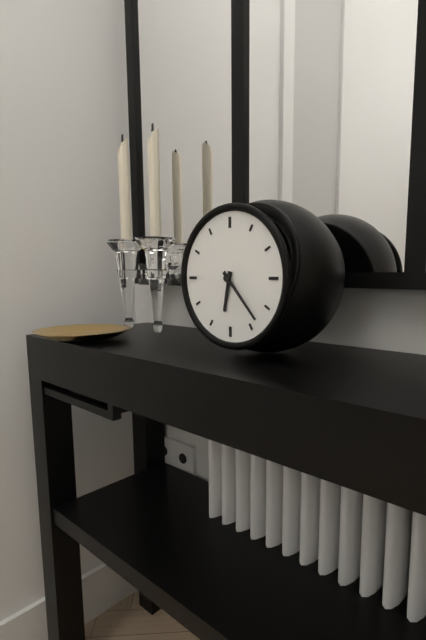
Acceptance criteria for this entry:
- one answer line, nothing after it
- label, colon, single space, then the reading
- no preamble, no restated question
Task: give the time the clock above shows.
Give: 6:23
